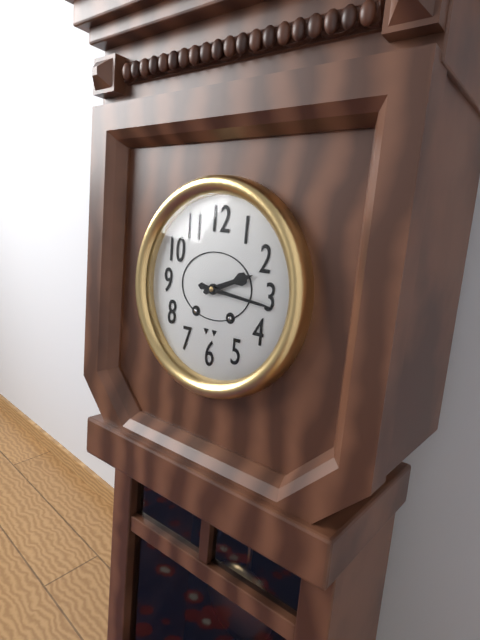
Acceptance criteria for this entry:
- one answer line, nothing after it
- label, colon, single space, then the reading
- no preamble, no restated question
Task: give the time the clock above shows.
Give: 2:16
